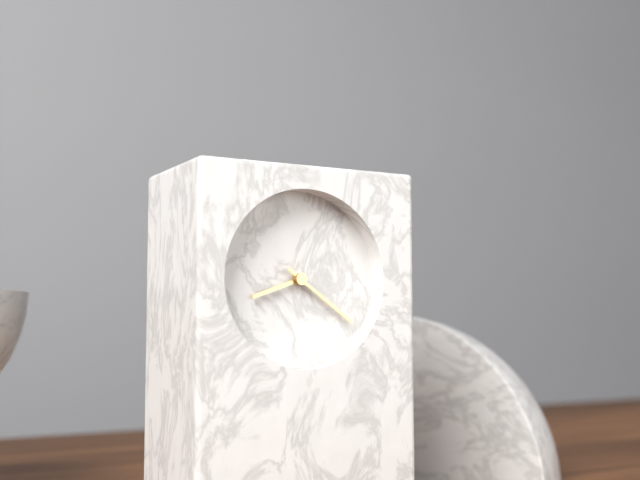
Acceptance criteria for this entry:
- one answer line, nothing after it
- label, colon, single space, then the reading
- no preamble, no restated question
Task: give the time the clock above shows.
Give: 8:21
